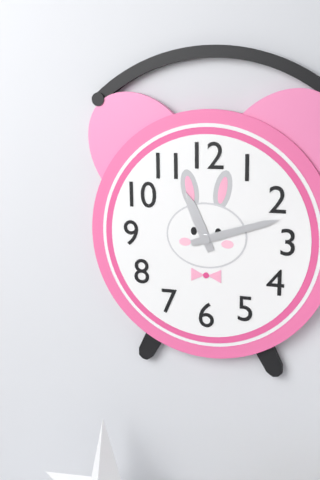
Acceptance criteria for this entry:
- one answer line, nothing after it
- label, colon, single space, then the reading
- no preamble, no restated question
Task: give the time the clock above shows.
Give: 11:12
